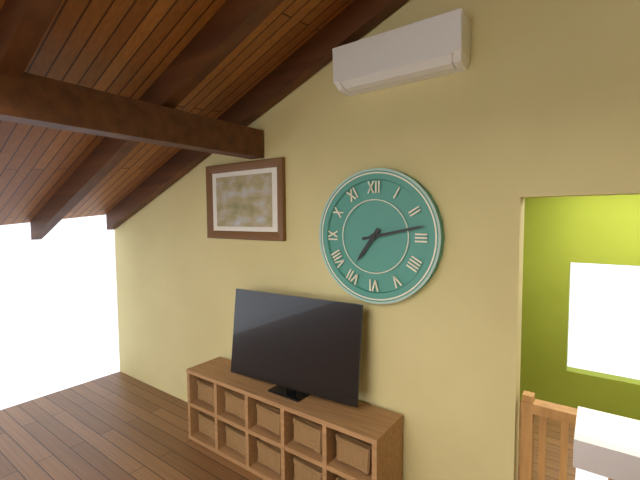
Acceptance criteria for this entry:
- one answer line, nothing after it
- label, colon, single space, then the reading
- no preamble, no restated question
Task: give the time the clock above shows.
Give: 7:13
